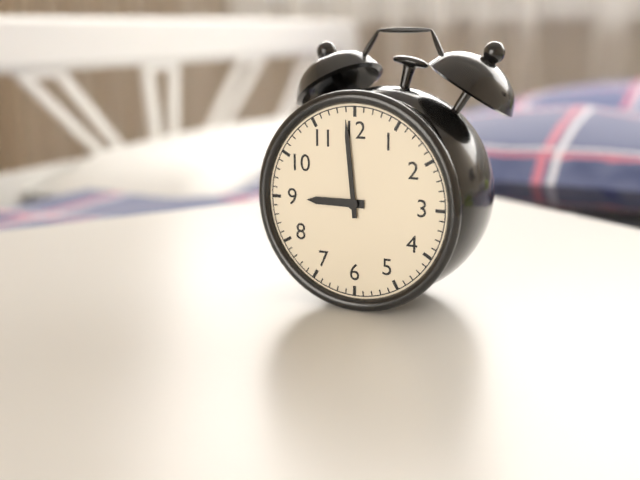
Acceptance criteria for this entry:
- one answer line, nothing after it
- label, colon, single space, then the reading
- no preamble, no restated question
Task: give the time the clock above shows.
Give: 8:59
